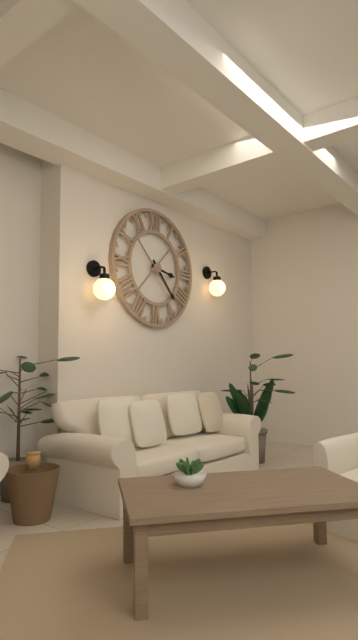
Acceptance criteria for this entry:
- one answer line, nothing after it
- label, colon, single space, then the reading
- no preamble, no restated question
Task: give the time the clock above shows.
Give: 3:23
